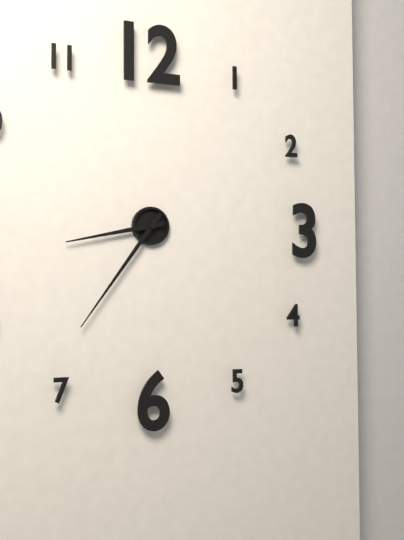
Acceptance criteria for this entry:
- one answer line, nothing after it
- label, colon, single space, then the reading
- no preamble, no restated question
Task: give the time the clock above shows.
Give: 8:36
